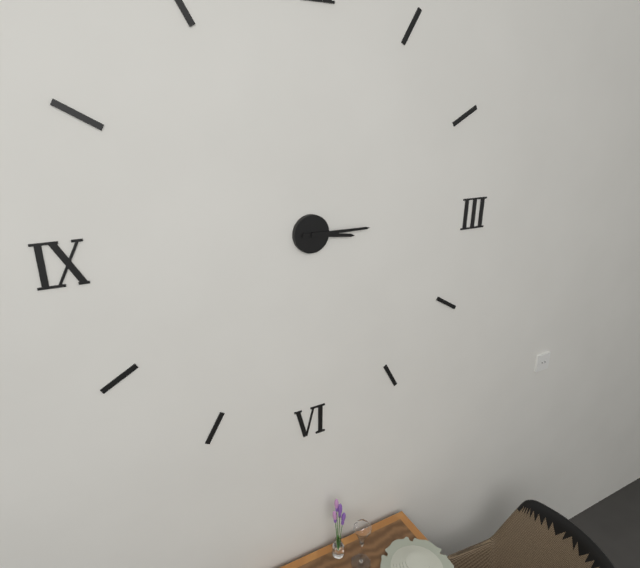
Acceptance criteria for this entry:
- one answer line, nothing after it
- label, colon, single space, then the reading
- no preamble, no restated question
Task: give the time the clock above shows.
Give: 3:15
